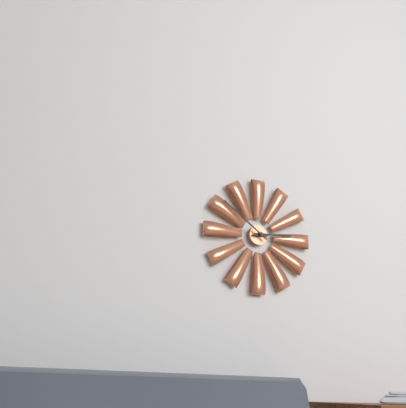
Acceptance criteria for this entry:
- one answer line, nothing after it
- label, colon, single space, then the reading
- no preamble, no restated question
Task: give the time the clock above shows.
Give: 2:51
